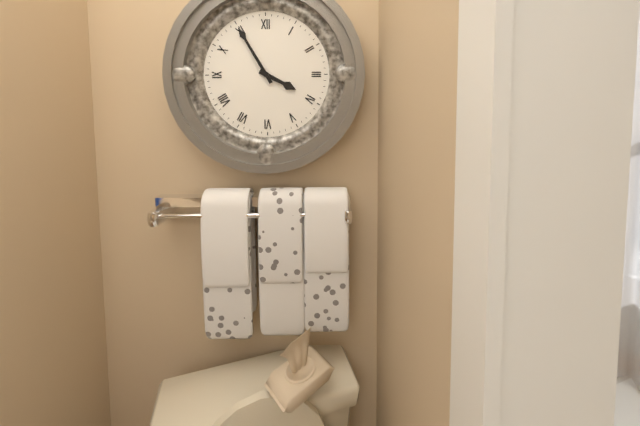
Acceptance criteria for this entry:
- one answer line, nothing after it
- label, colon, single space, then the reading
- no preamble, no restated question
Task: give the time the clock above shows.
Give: 3:55
